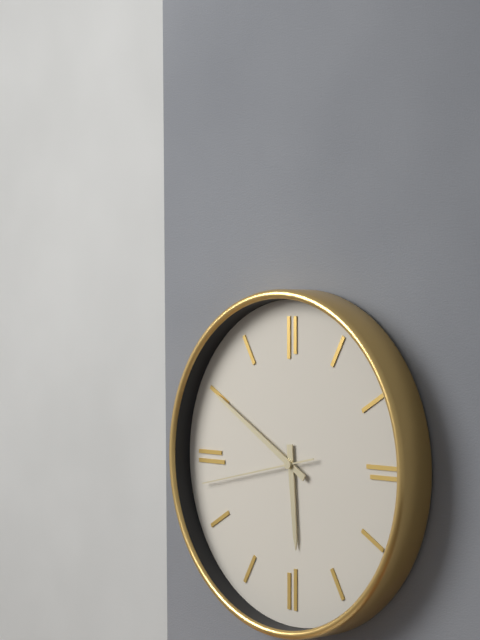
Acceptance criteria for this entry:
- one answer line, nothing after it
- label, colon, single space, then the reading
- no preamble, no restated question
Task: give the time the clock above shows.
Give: 5:50:43
